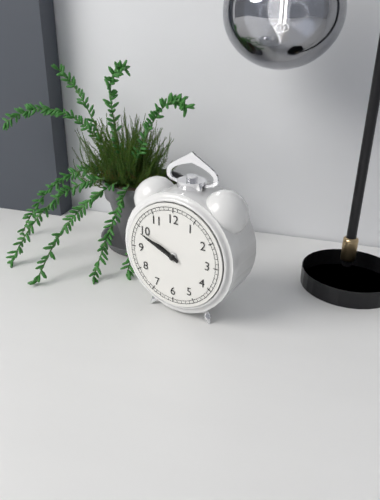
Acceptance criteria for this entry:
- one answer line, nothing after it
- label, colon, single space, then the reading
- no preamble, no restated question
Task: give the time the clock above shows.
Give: 9:49
